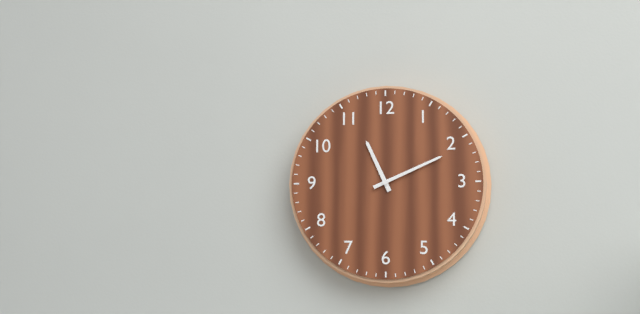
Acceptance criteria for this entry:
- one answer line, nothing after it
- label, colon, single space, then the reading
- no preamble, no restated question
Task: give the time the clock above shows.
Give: 11:11
